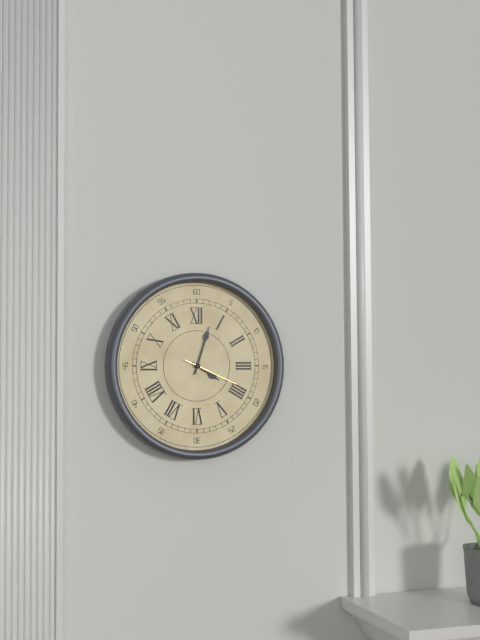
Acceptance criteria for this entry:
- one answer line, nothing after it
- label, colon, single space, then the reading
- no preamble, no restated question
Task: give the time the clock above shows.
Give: 4:03:19
